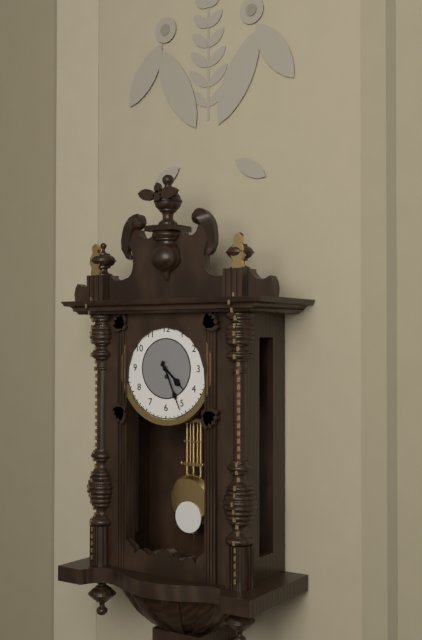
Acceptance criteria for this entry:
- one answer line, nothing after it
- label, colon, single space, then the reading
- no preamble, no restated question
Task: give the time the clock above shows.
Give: 4:26
